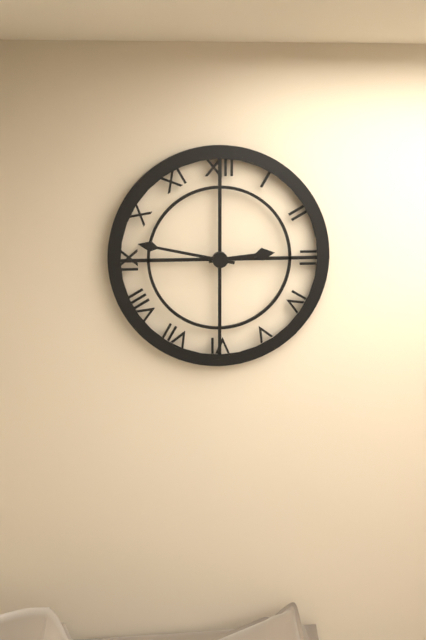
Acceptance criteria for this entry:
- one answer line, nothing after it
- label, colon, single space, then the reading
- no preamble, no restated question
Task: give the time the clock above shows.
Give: 2:47
